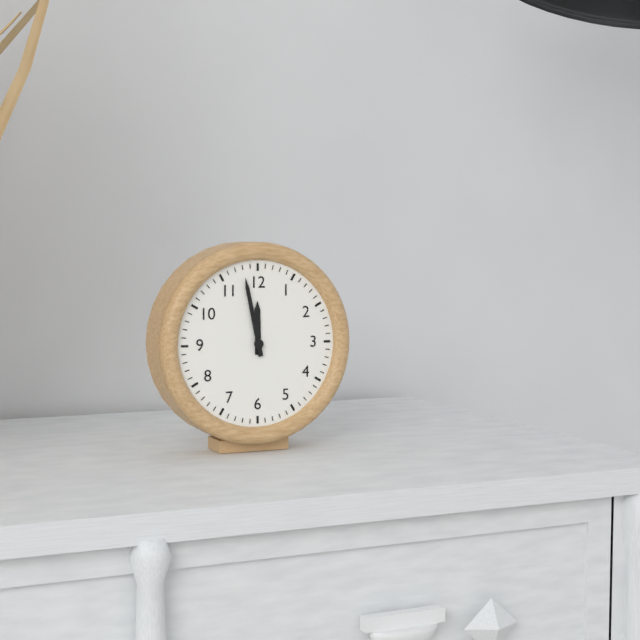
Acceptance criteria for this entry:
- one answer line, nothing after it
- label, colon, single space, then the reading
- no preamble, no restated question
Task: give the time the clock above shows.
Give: 11:58
